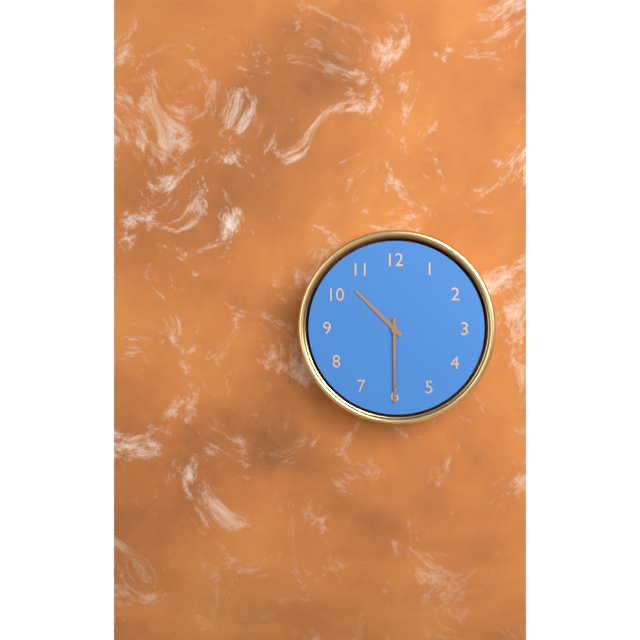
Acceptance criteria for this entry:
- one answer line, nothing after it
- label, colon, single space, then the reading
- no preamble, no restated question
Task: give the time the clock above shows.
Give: 10:30
